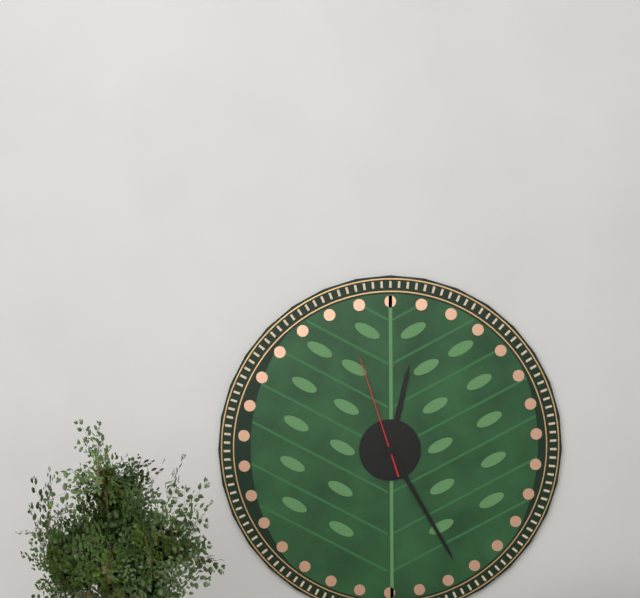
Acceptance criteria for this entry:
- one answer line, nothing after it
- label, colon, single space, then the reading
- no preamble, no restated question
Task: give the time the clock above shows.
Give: 12:25:57
